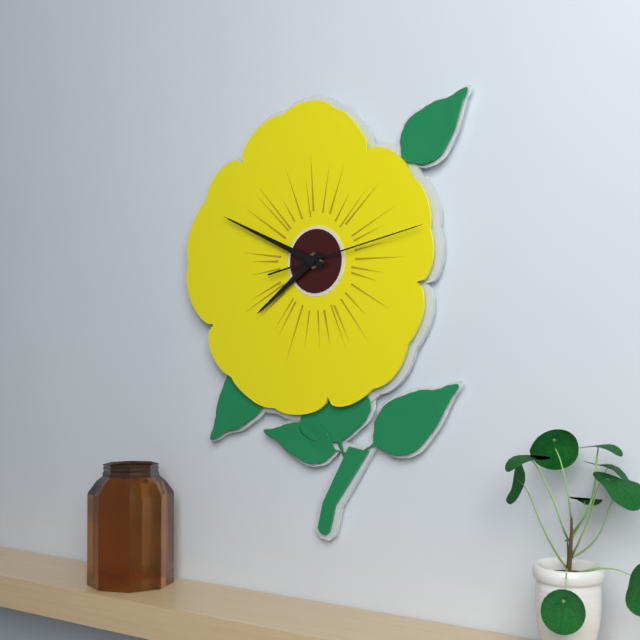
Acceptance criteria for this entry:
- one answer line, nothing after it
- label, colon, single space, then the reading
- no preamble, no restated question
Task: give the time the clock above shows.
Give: 7:49:13
